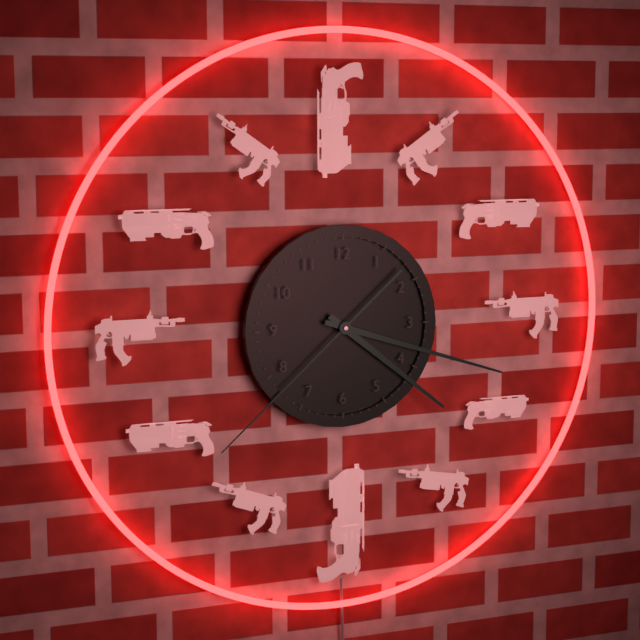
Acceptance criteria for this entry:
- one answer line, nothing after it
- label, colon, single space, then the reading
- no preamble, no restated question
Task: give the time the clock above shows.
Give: 4:18:38
